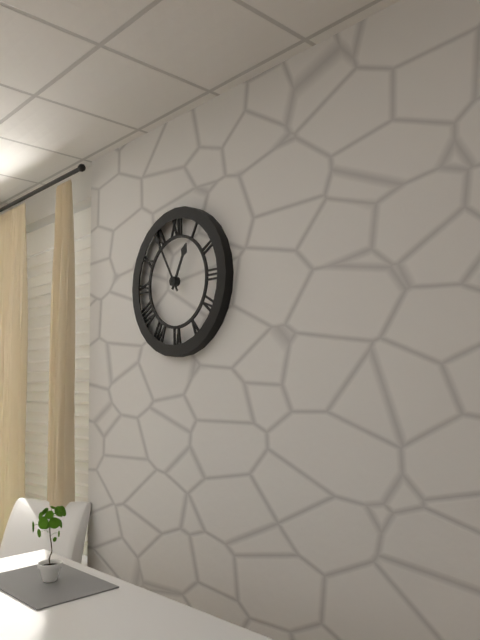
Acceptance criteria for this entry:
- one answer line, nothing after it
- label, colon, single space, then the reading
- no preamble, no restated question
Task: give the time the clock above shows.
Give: 12:55
